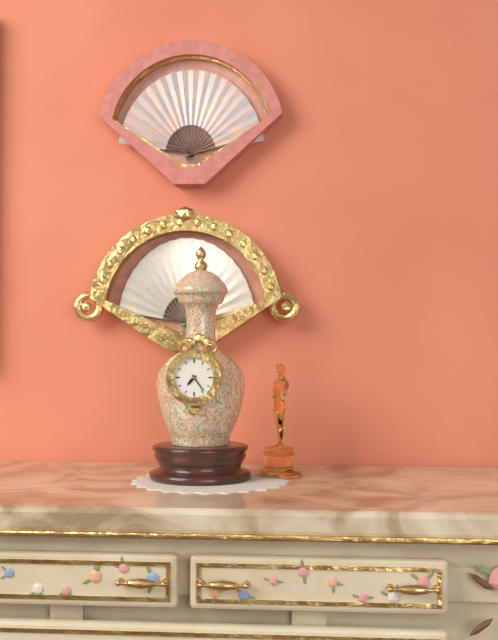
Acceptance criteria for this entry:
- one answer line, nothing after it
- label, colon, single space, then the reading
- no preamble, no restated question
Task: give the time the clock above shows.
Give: 7:24
